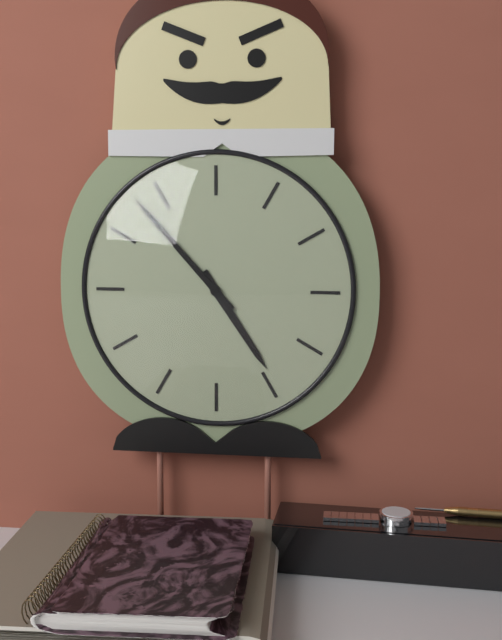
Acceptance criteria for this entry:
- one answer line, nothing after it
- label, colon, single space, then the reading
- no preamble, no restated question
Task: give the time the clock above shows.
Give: 4:53
